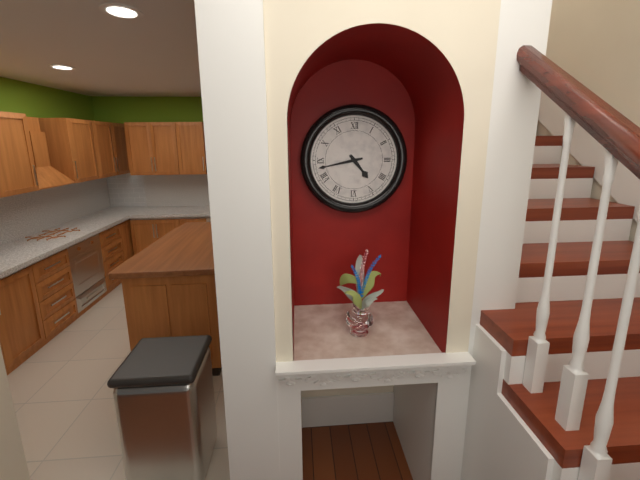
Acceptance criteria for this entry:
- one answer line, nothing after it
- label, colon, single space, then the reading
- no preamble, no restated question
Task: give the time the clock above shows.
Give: 4:43
